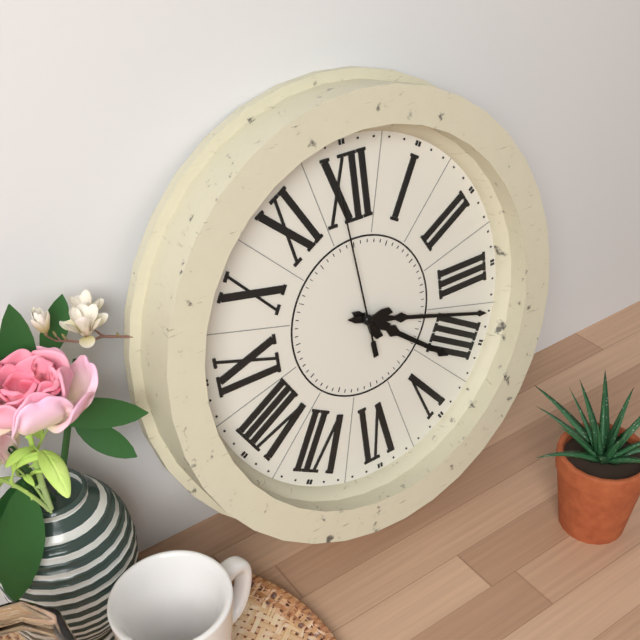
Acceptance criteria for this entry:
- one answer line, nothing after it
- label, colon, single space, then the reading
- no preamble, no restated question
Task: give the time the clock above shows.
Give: 4:18:59
